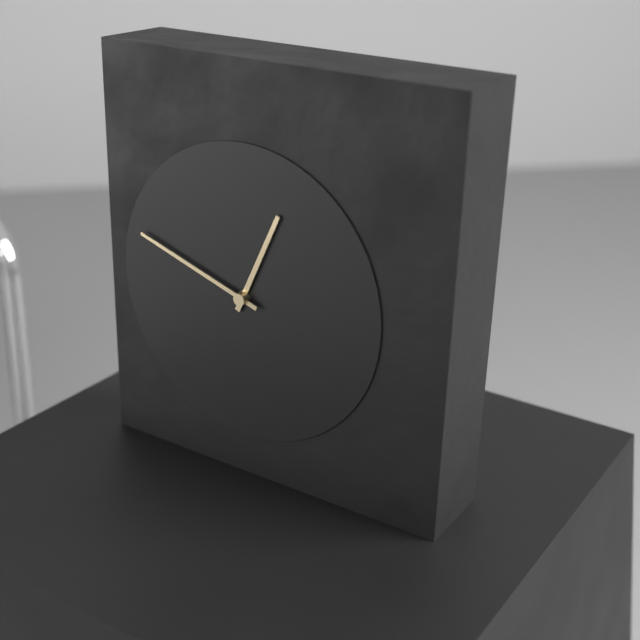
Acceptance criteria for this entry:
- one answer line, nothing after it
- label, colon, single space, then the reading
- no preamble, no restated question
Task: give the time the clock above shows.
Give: 12:48
